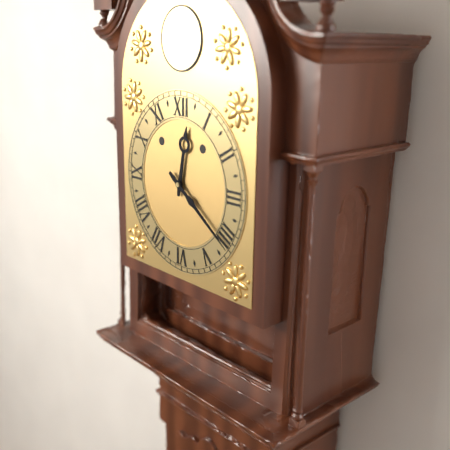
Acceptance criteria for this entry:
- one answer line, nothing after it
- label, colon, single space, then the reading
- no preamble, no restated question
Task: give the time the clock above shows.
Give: 12:21
